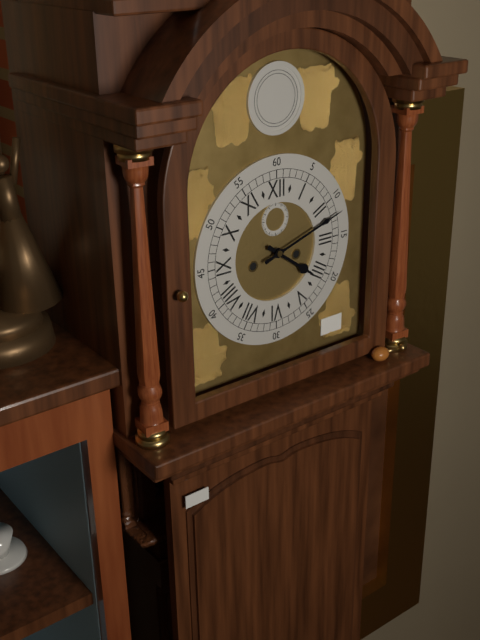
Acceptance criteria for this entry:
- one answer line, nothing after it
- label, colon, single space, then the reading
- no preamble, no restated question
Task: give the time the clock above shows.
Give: 4:12
